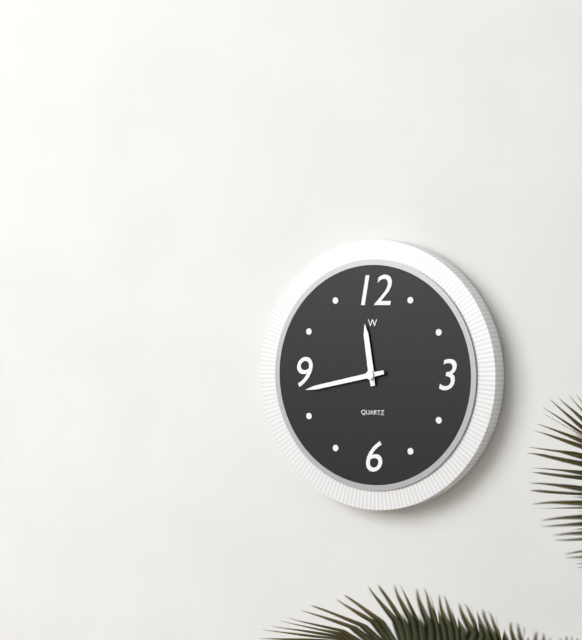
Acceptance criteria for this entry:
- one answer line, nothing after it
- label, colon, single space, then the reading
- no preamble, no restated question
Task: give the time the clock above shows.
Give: 11:43
